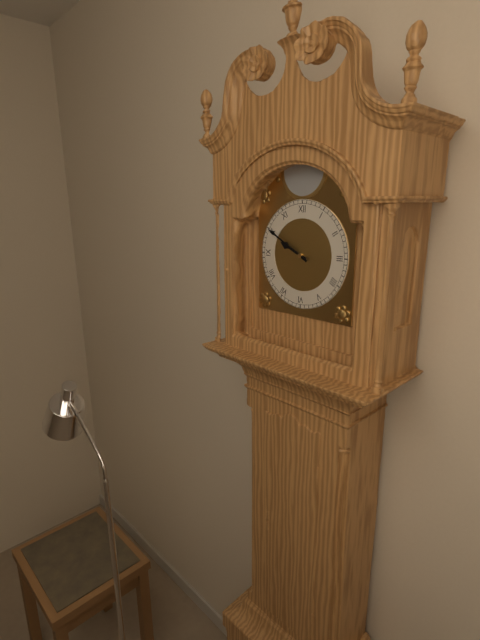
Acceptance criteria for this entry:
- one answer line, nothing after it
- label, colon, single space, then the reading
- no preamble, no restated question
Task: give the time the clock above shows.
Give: 9:50
